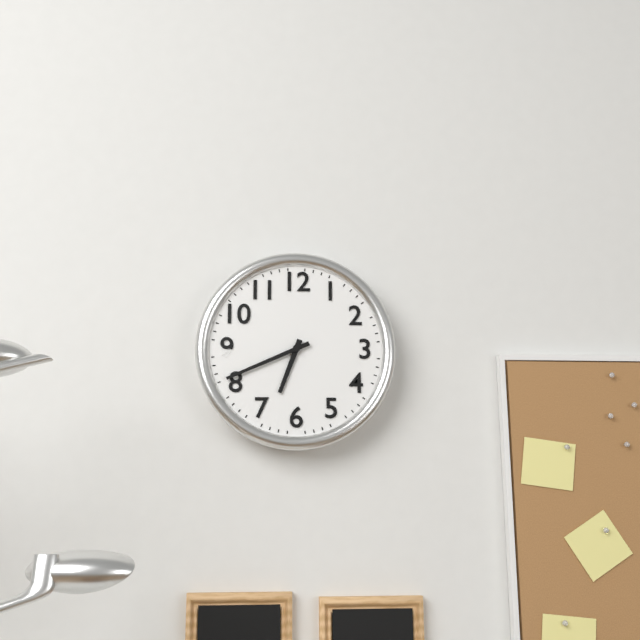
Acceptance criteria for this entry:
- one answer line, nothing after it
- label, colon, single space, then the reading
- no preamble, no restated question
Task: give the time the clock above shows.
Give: 6:41
